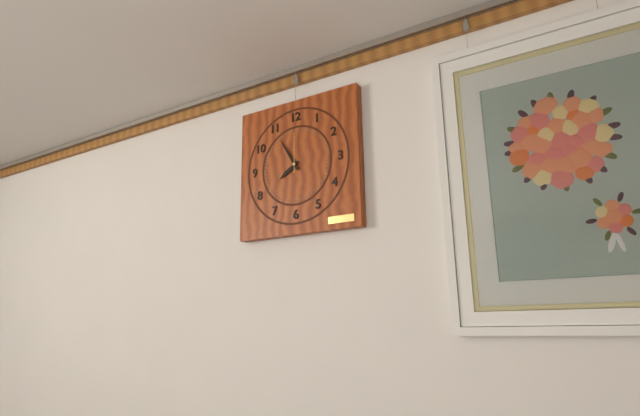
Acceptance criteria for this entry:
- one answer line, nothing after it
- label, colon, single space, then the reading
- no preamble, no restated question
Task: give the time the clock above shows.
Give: 7:55
